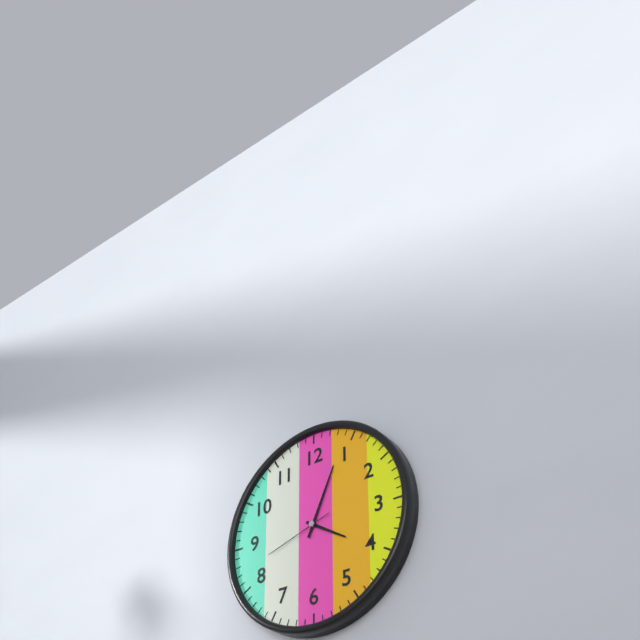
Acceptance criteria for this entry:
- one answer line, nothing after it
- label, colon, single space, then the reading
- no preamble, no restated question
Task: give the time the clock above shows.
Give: 4:04:42
